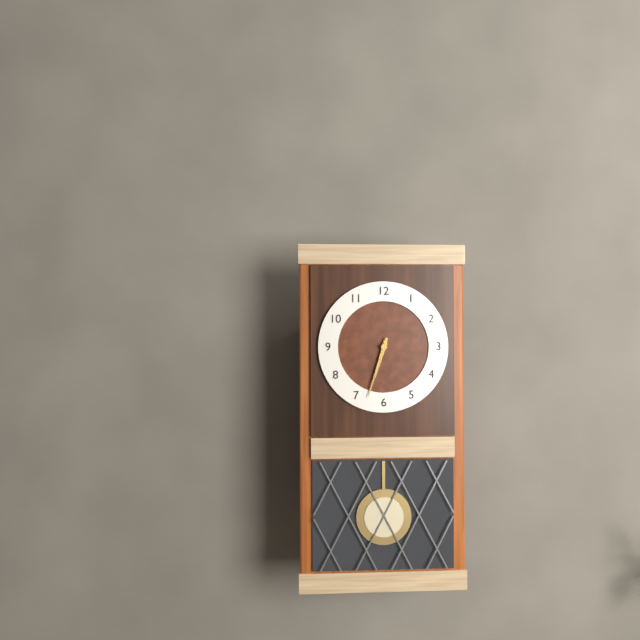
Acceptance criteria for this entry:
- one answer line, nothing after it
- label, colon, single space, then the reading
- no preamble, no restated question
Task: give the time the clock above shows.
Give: 6:33
